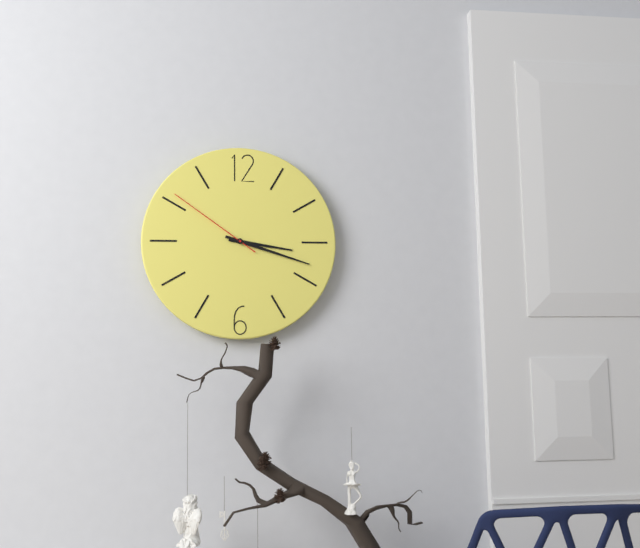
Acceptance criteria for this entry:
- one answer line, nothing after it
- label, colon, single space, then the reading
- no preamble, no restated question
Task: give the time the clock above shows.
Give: 3:18:51
